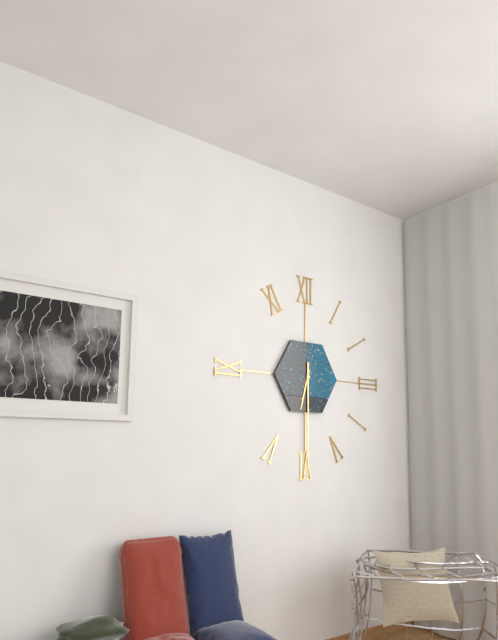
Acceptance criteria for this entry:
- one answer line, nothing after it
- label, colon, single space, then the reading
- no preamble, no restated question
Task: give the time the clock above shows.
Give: 6:30
